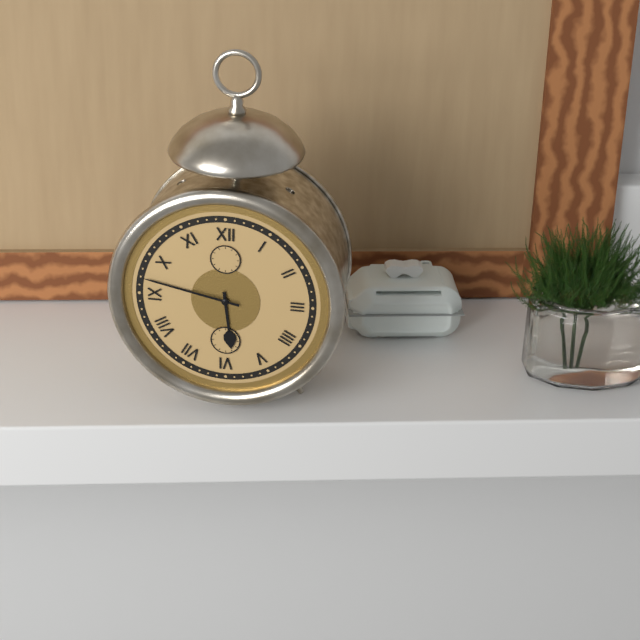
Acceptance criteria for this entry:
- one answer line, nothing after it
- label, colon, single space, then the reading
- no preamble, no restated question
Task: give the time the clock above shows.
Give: 5:47
